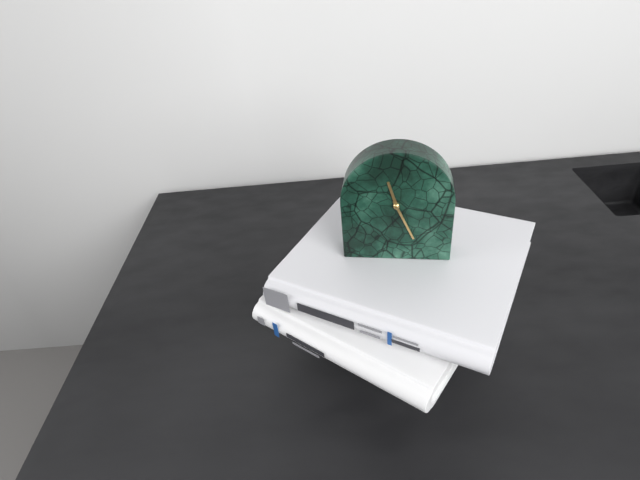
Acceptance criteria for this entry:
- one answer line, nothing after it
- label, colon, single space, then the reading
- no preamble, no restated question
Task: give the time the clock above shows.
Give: 11:26
